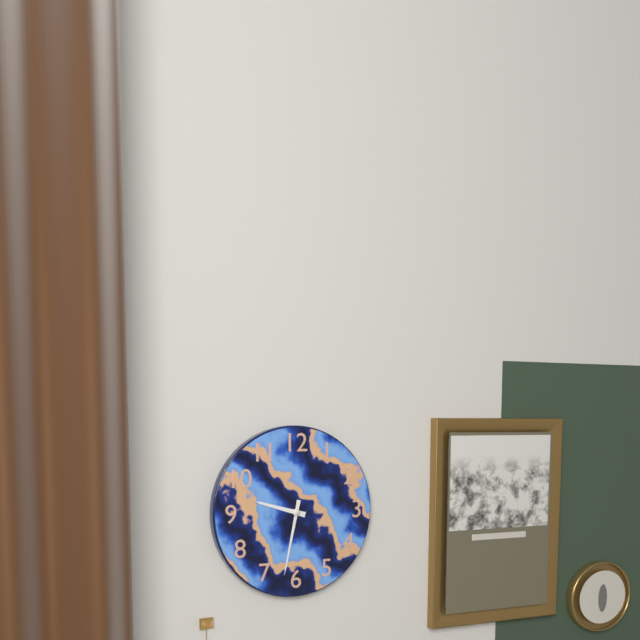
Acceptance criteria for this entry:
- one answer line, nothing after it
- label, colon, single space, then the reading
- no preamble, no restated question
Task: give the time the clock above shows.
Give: 9:32
